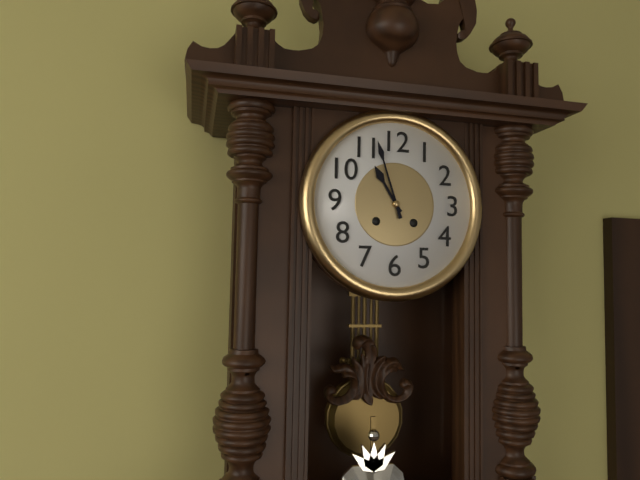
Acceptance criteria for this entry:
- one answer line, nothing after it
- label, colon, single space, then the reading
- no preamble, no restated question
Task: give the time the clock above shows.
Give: 10:57
